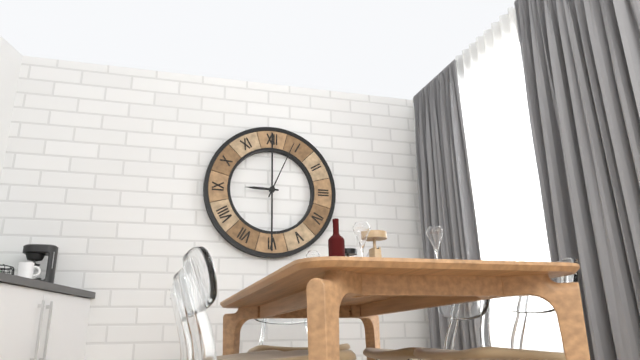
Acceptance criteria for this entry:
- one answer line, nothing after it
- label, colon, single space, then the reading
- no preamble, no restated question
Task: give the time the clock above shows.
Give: 9:04
